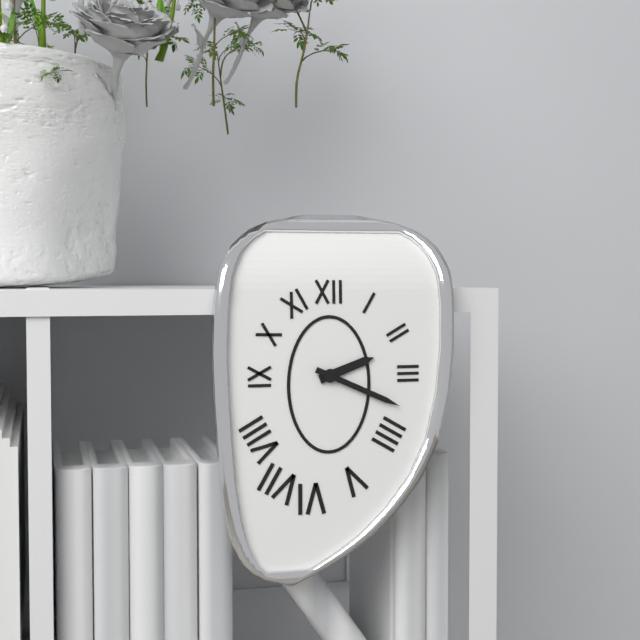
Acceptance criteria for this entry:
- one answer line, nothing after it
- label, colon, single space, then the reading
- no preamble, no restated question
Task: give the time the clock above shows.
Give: 2:19
